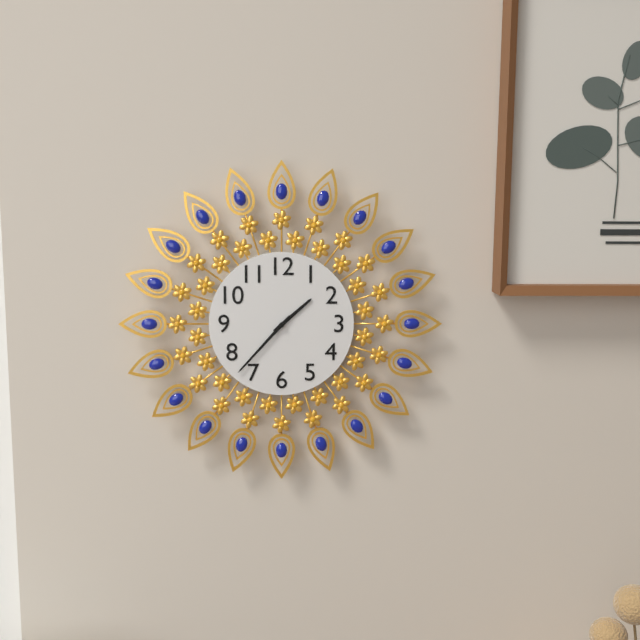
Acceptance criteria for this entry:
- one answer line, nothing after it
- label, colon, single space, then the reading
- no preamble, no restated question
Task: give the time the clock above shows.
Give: 1:37
